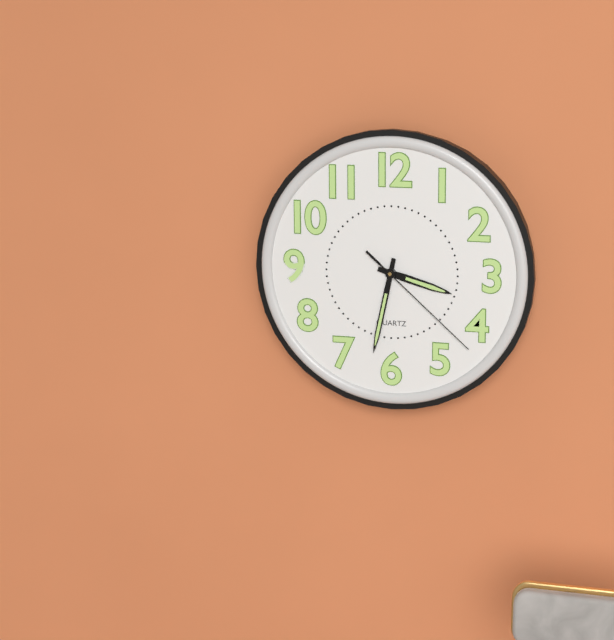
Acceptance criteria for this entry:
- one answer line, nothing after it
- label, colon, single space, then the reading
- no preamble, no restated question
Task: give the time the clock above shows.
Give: 3:32:22
